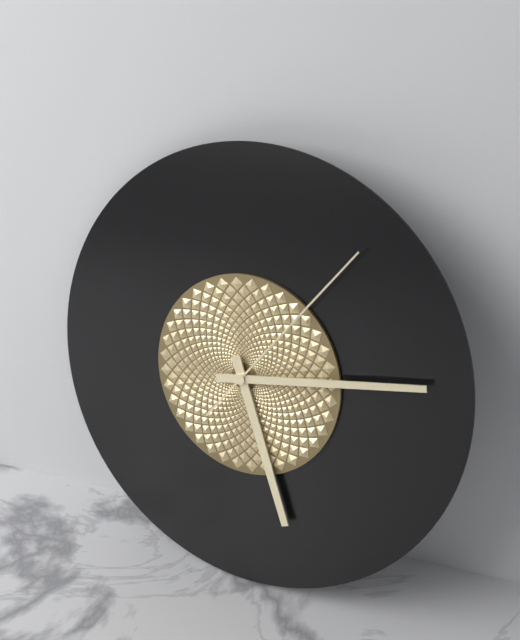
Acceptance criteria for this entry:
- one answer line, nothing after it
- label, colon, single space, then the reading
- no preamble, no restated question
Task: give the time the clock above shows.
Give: 5:13:06
